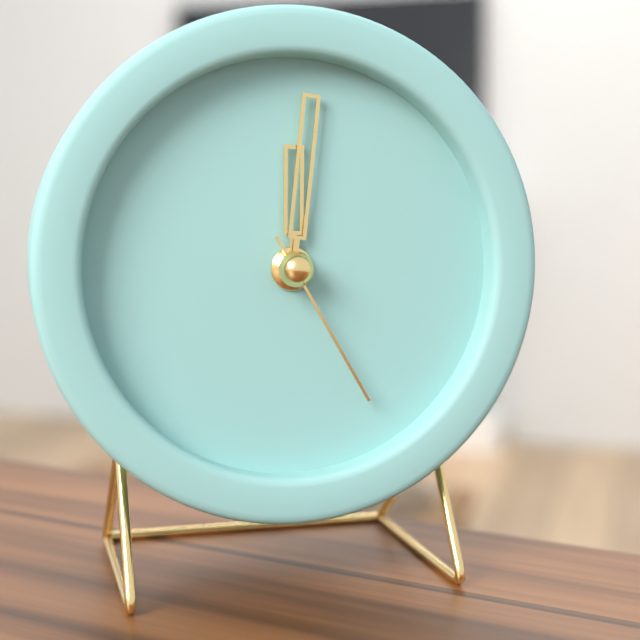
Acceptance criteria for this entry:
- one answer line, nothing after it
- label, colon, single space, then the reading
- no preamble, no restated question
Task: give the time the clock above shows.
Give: 12:01:25
